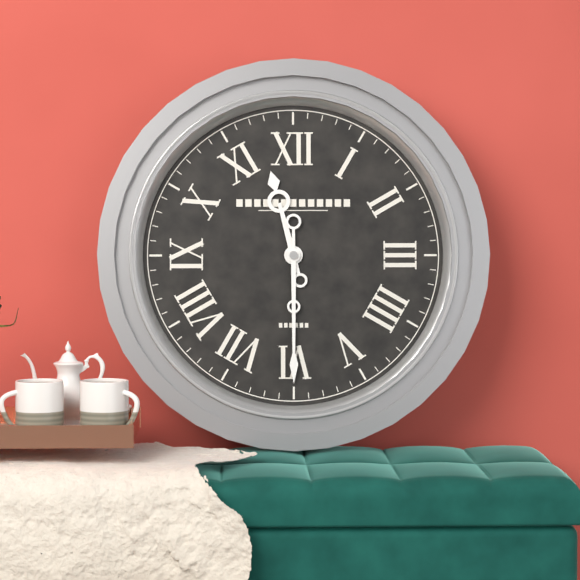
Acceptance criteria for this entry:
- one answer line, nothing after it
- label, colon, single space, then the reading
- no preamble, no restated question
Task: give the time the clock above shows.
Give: 11:30
